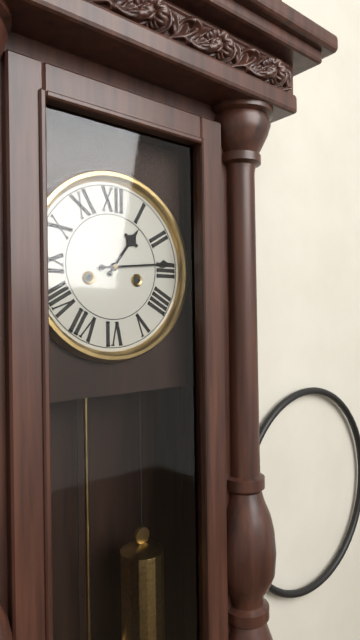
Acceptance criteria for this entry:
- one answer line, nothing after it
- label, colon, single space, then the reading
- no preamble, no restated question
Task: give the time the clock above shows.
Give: 1:14
